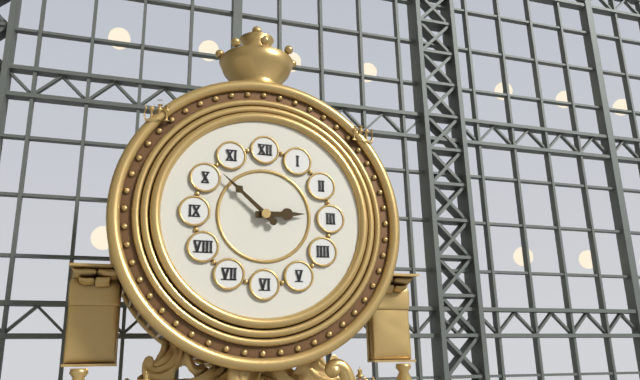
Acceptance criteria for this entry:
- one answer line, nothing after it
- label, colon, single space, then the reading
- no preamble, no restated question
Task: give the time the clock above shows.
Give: 2:52
